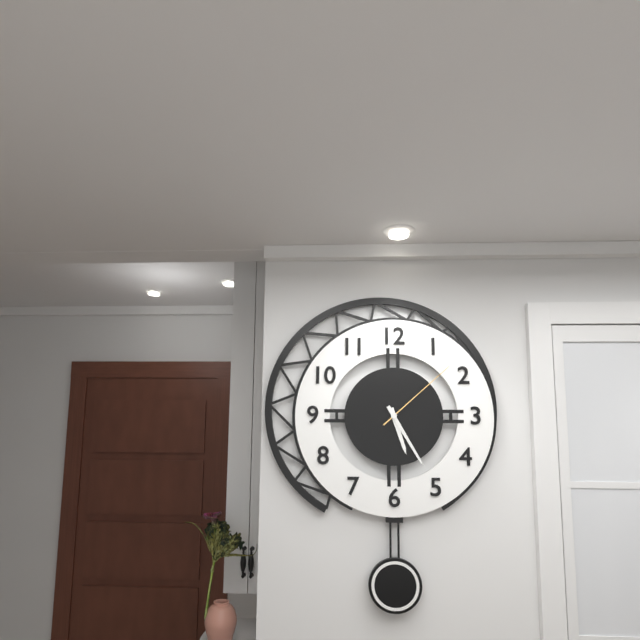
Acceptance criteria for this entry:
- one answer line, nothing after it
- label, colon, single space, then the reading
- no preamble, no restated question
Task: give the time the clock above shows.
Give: 5:25:08
